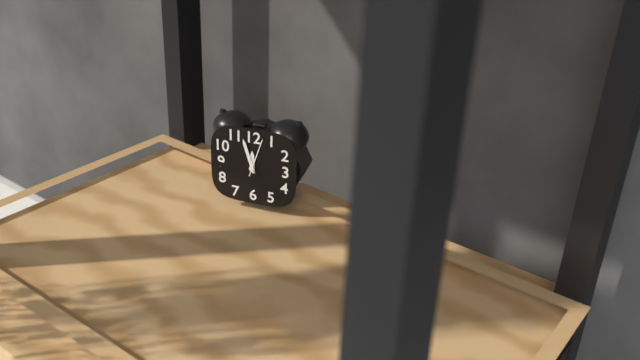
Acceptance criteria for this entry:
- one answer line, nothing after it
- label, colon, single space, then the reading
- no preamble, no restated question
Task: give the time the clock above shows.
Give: 11:57
